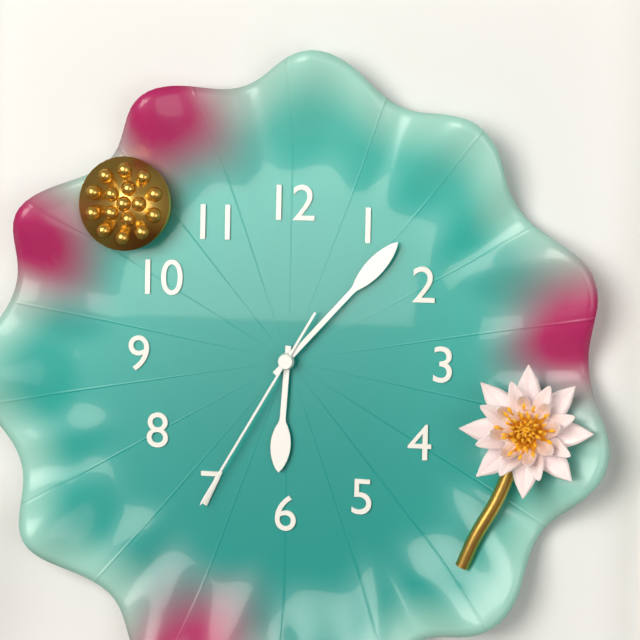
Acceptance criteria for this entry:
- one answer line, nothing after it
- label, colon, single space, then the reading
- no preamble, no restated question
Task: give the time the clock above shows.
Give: 6:07:35
